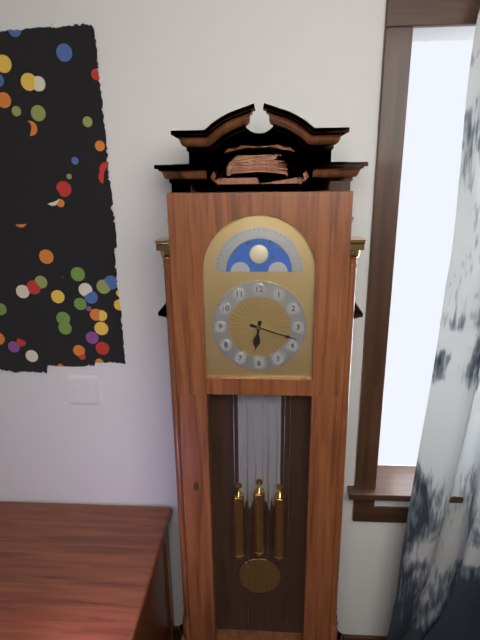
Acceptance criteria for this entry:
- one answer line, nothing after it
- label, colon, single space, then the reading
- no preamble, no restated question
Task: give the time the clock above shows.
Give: 6:18
